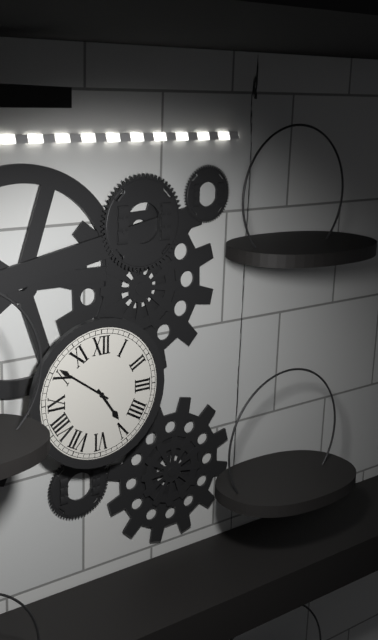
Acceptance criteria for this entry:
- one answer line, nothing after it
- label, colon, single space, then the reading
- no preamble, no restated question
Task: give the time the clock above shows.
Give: 4:51
